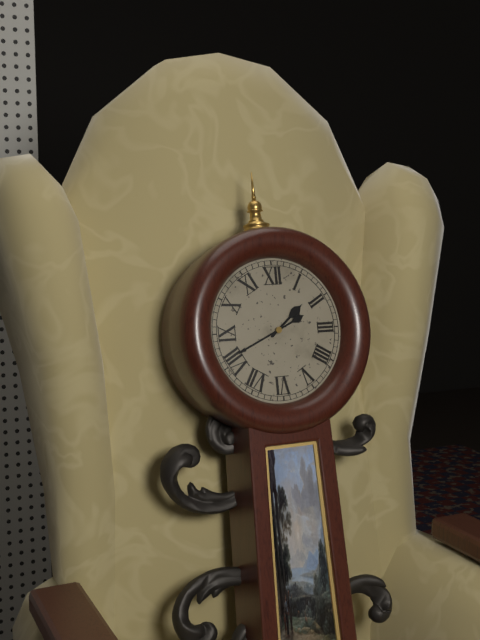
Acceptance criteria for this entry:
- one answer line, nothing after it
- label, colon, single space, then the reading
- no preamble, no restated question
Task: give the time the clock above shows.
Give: 1:41
